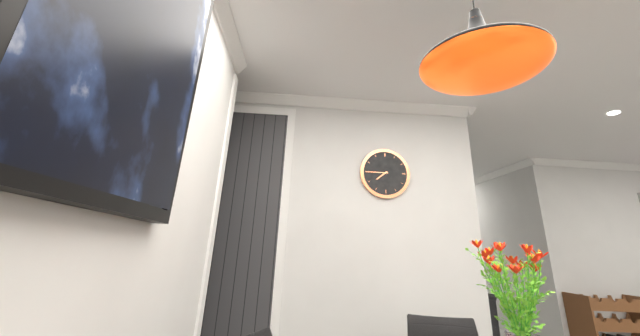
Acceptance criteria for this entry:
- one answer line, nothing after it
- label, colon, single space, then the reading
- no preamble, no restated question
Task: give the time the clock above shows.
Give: 7:45
